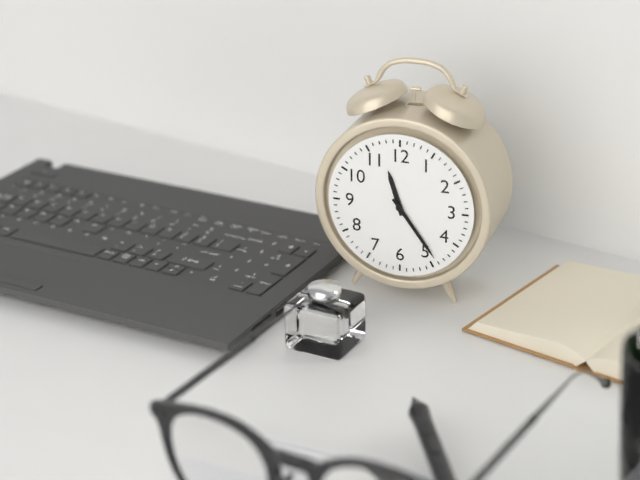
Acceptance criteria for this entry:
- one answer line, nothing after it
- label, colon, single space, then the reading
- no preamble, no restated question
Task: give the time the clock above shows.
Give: 11:24
